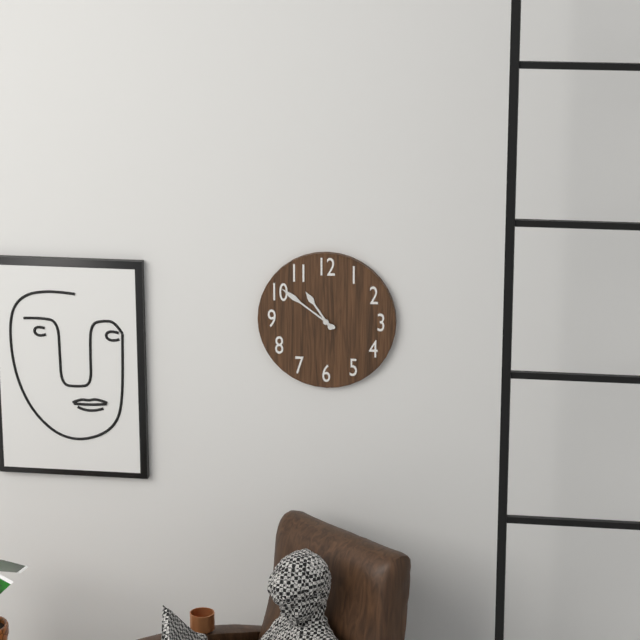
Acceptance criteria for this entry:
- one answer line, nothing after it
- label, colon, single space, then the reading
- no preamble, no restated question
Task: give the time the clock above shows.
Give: 10:51
